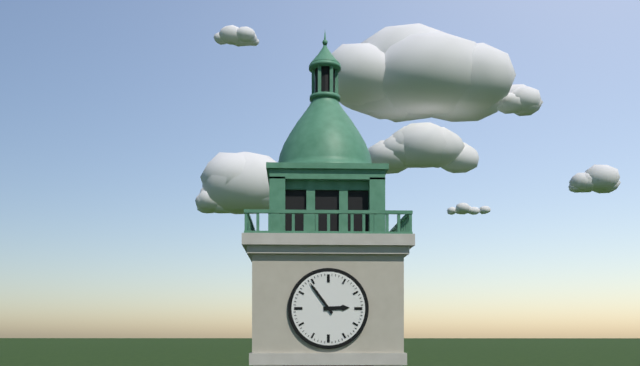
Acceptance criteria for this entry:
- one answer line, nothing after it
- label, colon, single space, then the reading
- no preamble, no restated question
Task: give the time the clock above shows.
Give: 2:54
